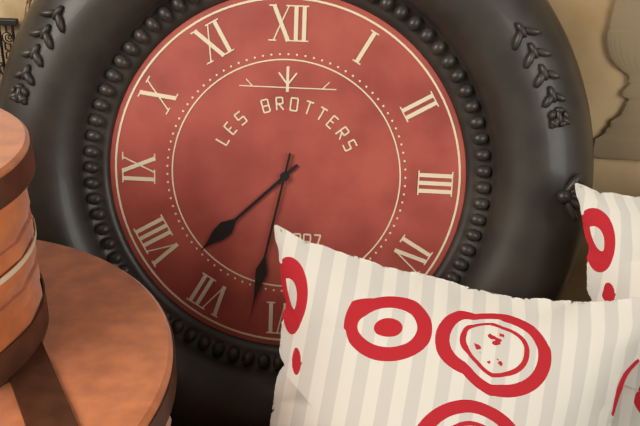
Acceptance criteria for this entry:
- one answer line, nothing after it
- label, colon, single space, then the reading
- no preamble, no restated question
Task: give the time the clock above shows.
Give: 7:32
